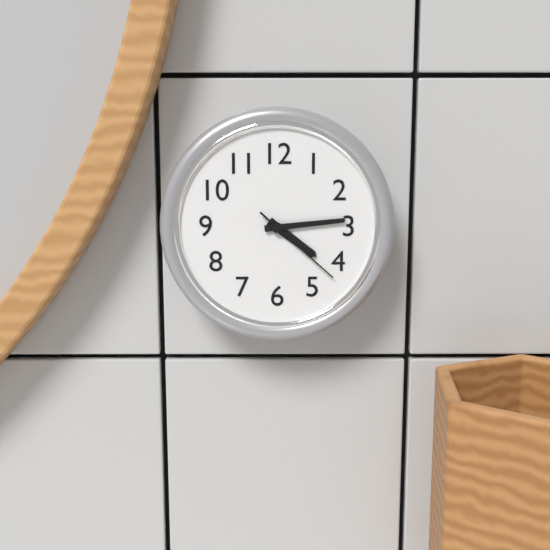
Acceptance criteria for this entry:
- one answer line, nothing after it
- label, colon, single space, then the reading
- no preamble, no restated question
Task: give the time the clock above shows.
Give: 4:14:22
